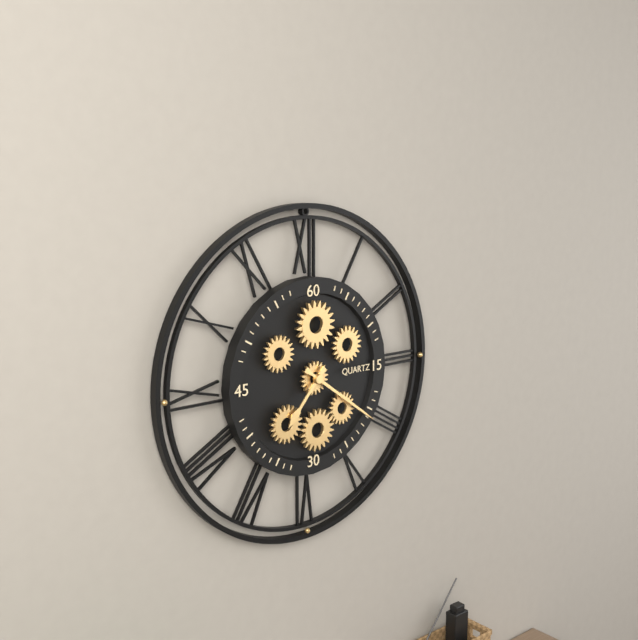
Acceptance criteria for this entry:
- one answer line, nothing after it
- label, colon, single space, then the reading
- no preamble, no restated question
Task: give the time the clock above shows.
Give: 7:21
